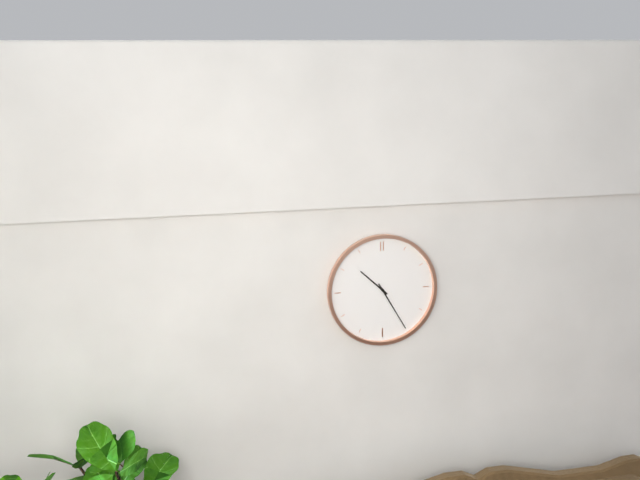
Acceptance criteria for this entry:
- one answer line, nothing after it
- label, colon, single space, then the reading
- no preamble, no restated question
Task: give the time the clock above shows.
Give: 10:25
